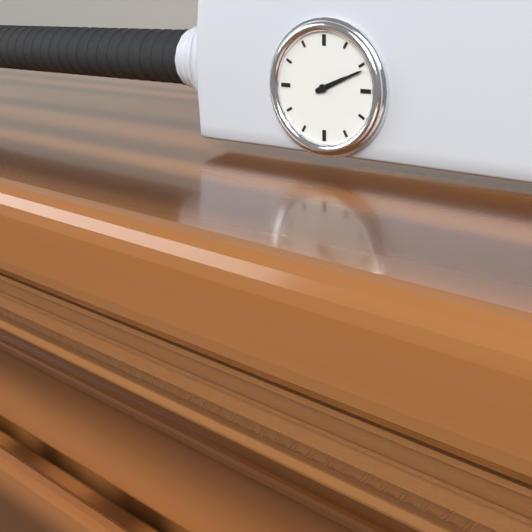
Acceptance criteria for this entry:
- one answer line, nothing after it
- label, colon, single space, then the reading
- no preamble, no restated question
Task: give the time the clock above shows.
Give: 2:11
